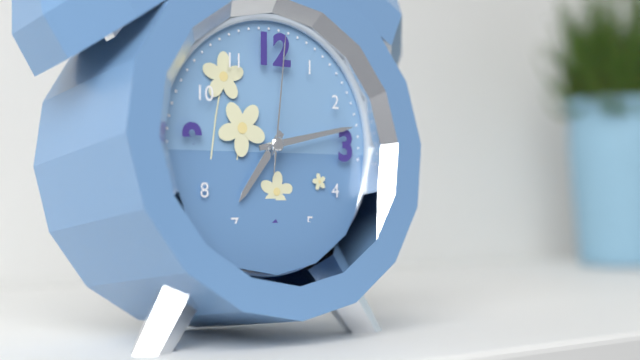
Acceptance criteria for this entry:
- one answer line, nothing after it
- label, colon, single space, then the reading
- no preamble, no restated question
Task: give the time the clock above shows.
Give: 7:13:01
